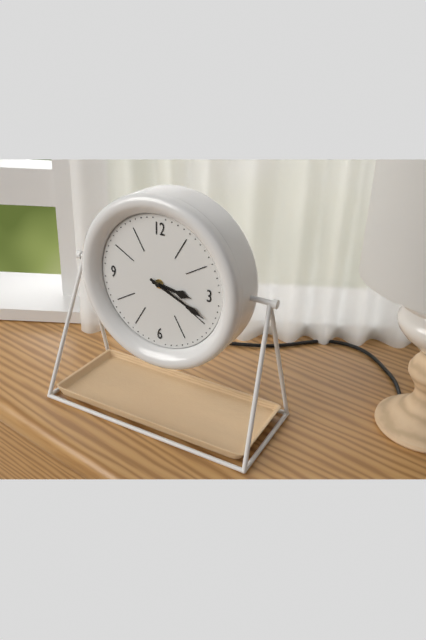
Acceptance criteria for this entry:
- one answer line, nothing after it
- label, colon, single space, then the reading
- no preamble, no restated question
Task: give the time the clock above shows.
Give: 3:19
